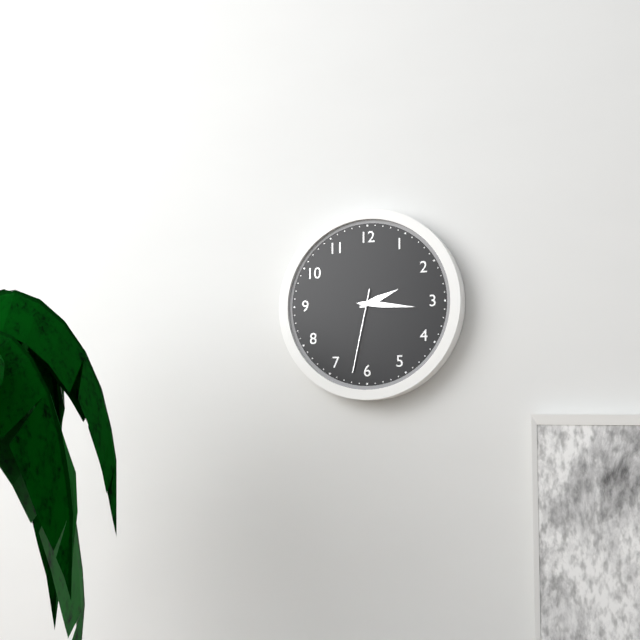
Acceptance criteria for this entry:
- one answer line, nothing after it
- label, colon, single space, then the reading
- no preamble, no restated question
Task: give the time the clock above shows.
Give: 2:16:32
